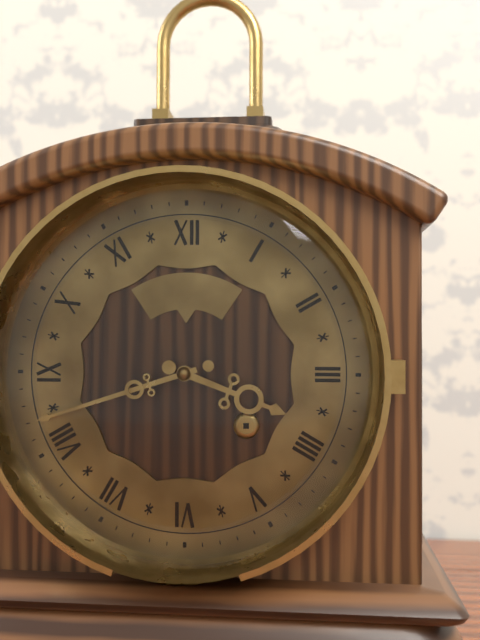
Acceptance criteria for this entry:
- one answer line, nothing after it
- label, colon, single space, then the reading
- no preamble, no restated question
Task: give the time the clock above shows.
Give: 3:42
